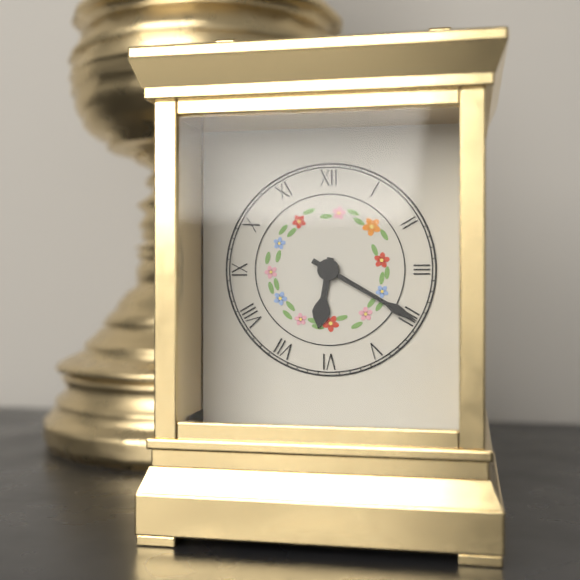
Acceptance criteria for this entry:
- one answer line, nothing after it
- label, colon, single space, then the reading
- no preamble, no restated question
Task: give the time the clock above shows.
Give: 6:20
